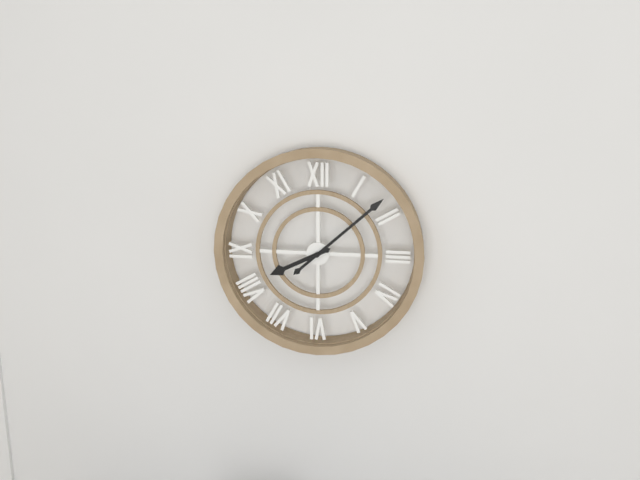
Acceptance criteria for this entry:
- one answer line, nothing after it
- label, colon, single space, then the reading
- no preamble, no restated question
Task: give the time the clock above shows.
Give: 8:08
